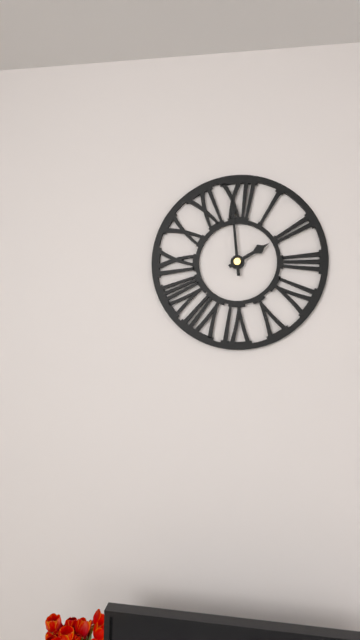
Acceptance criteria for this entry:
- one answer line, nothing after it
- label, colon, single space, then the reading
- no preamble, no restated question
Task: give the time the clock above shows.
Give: 1:59
